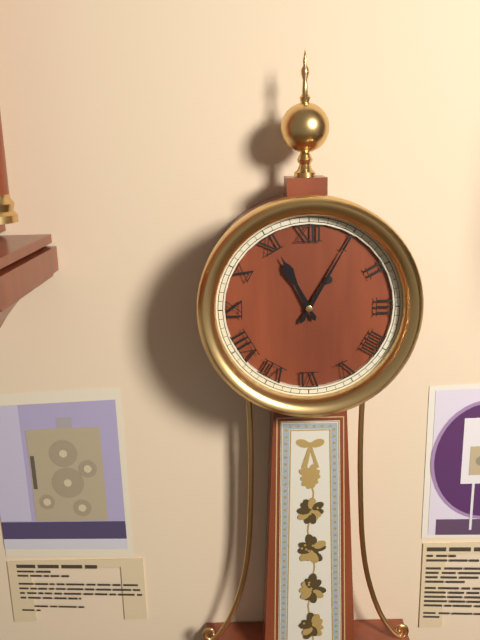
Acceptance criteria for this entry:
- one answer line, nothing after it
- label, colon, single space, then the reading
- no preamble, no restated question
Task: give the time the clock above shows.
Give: 11:05
